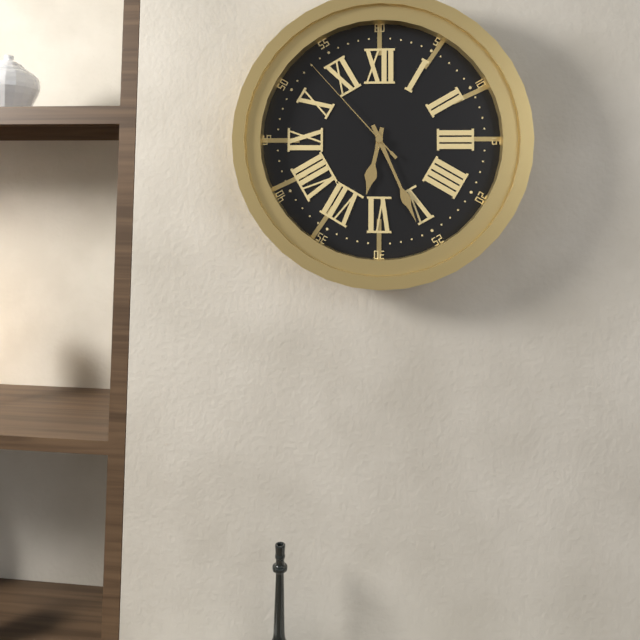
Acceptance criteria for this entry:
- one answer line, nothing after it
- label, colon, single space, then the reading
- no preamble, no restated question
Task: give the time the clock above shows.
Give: 6:26:53
